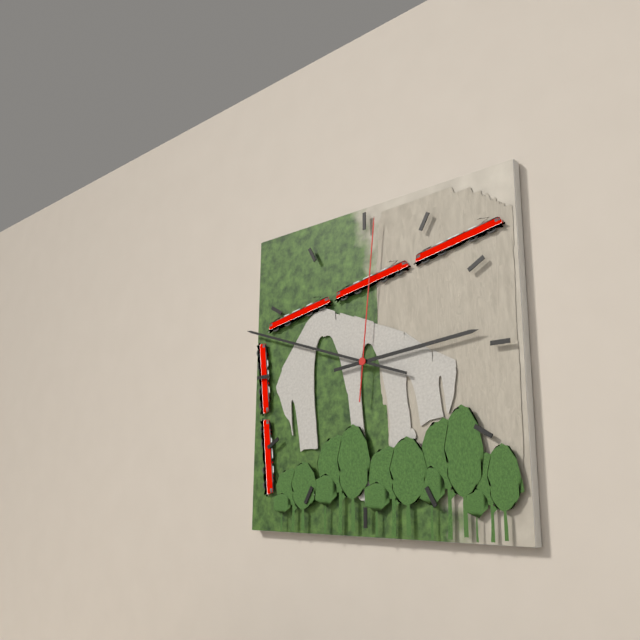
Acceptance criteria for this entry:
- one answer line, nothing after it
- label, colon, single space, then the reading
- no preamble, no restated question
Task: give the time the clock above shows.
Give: 2:48:01
